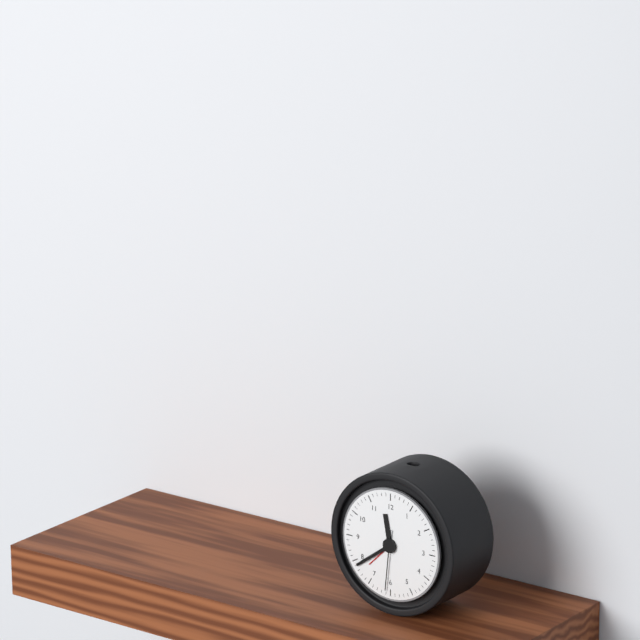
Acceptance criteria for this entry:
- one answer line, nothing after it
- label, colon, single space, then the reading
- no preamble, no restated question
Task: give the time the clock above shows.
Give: 11:39:31
